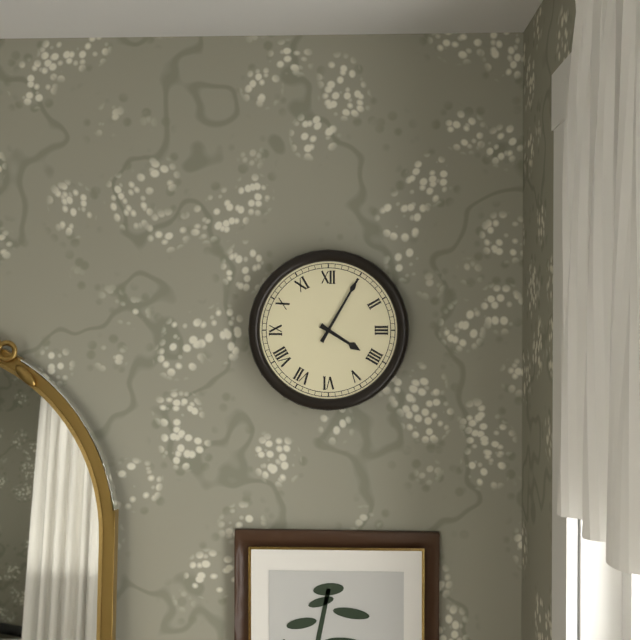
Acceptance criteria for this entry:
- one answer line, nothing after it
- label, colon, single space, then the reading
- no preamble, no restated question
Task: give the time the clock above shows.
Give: 4:05
